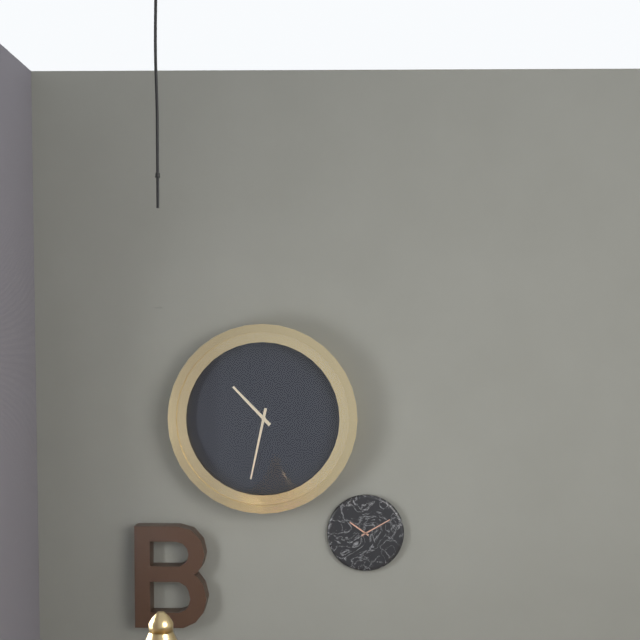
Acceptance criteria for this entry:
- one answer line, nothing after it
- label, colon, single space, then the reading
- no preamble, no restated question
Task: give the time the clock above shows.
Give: 10:32
